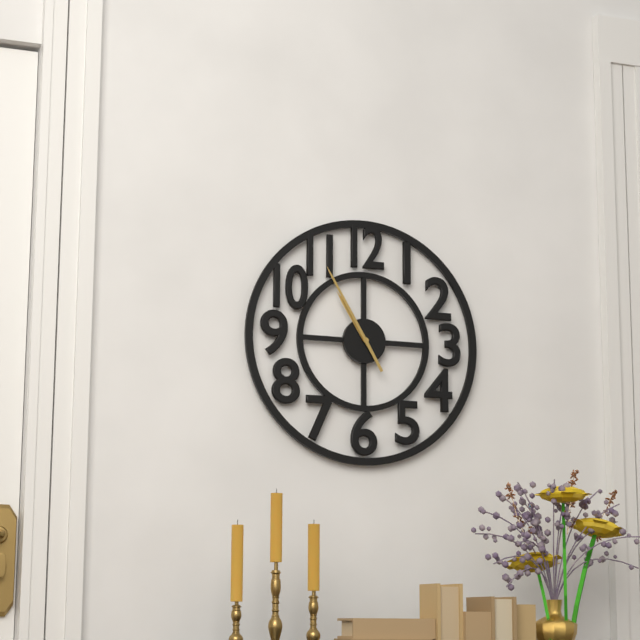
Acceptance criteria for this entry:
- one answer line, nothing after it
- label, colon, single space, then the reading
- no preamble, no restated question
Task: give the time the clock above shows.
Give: 10:55
